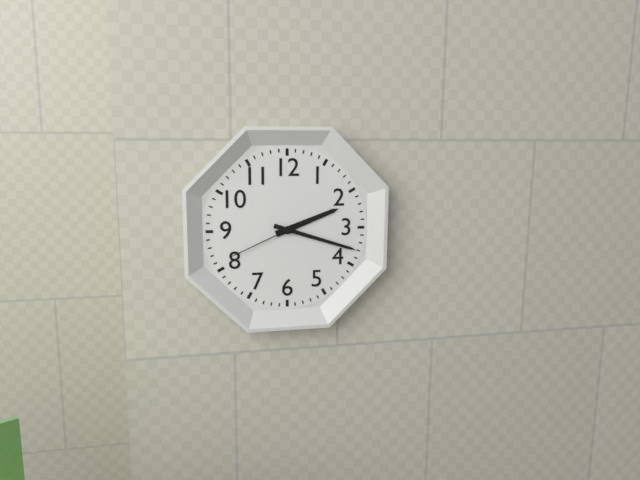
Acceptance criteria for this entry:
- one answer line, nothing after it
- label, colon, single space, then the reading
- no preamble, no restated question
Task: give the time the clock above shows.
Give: 2:18:41
